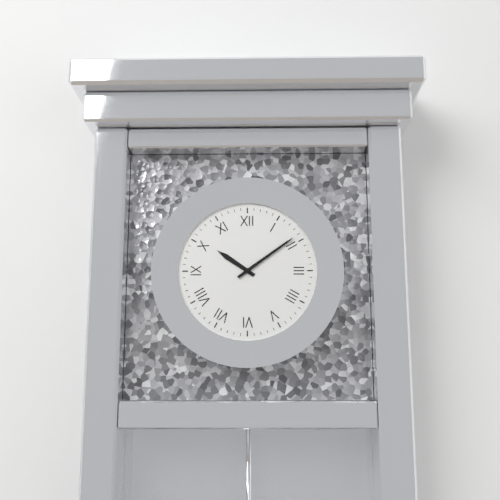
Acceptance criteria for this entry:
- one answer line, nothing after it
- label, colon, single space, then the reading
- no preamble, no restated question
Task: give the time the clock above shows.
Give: 10:09
